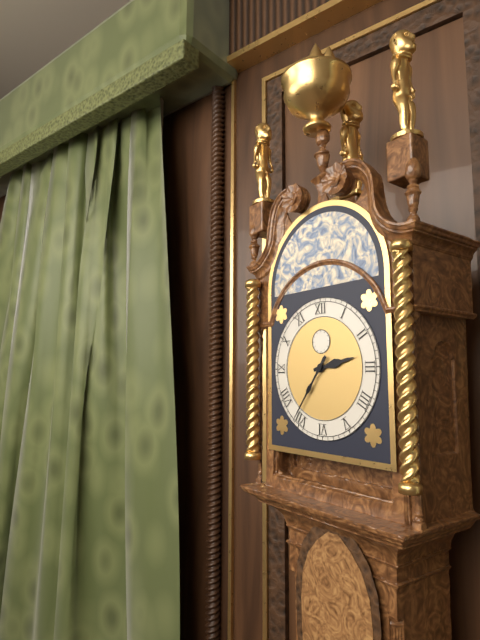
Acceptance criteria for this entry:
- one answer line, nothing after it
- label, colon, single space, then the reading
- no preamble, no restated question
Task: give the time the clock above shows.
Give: 2:36
